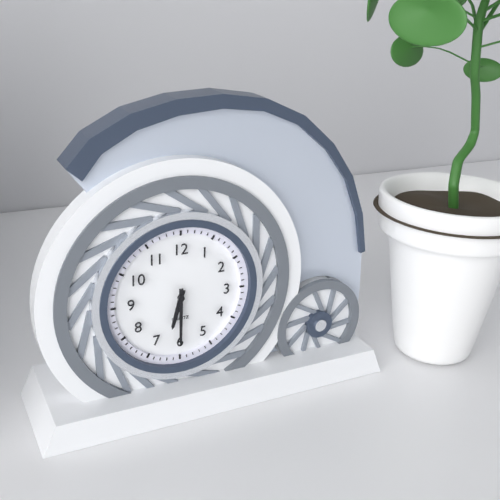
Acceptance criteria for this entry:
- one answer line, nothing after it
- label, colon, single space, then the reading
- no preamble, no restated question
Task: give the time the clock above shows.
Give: 6:30
